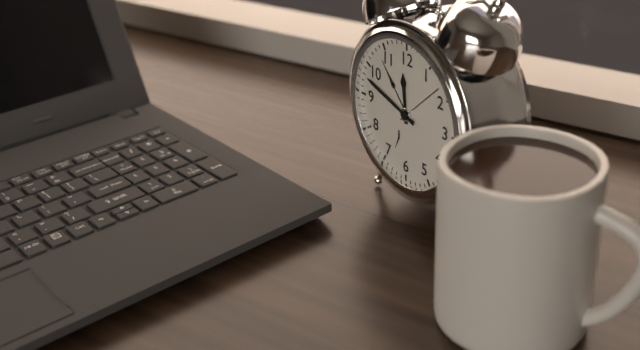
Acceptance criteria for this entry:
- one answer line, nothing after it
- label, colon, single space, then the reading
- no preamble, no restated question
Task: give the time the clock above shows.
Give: 11:48
